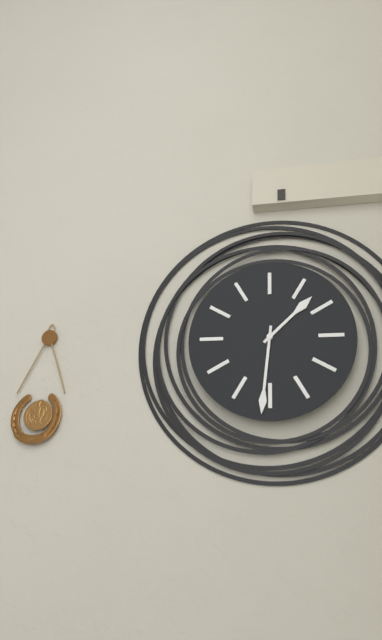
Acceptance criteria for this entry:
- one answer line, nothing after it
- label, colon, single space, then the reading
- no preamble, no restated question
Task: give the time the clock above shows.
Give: 1:31
